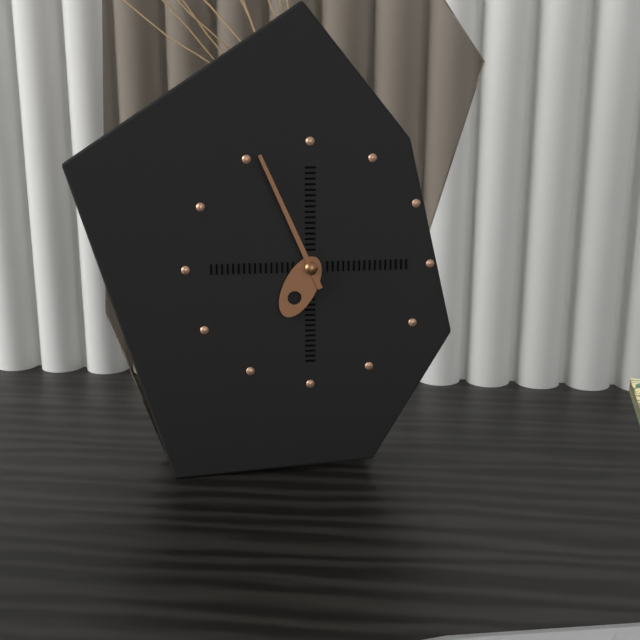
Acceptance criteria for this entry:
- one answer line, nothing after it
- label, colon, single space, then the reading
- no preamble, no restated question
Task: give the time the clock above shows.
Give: 6:56
